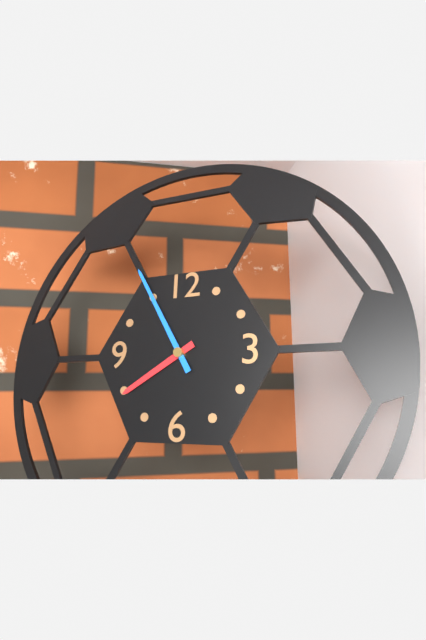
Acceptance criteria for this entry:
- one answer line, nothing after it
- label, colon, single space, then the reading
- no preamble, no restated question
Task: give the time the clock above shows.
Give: 7:55
